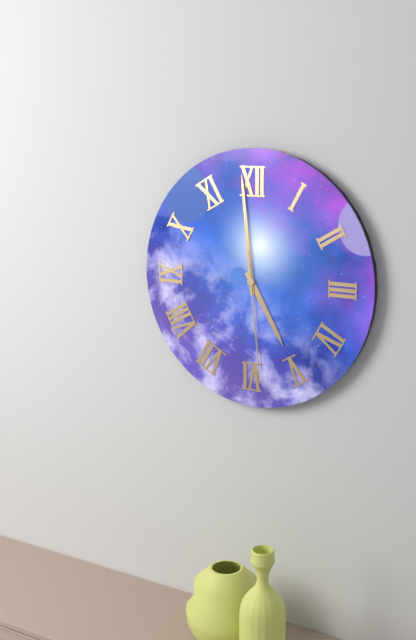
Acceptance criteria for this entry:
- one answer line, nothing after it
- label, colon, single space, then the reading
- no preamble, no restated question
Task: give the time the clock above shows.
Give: 4:59:29
